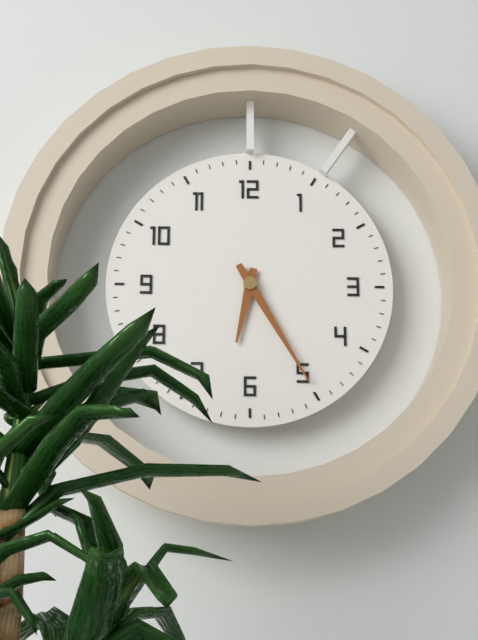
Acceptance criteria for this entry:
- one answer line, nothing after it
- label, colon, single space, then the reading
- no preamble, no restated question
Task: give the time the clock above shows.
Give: 6:25
